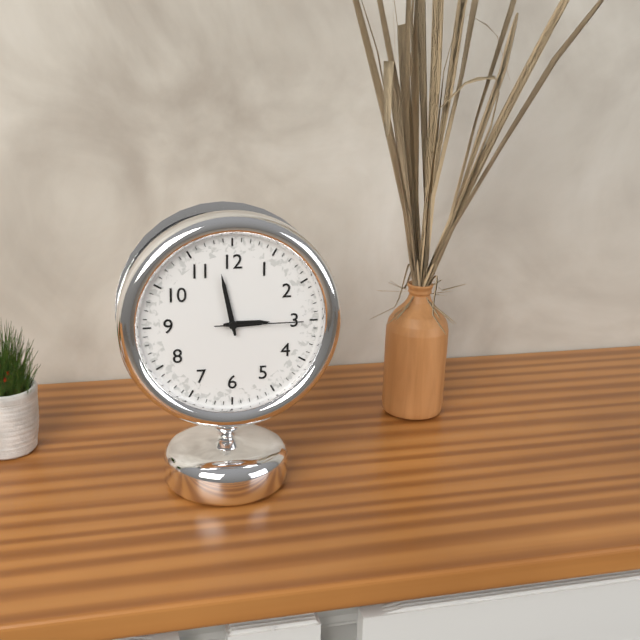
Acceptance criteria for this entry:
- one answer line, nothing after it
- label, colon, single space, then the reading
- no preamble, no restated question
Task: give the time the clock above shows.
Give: 2:58:15
